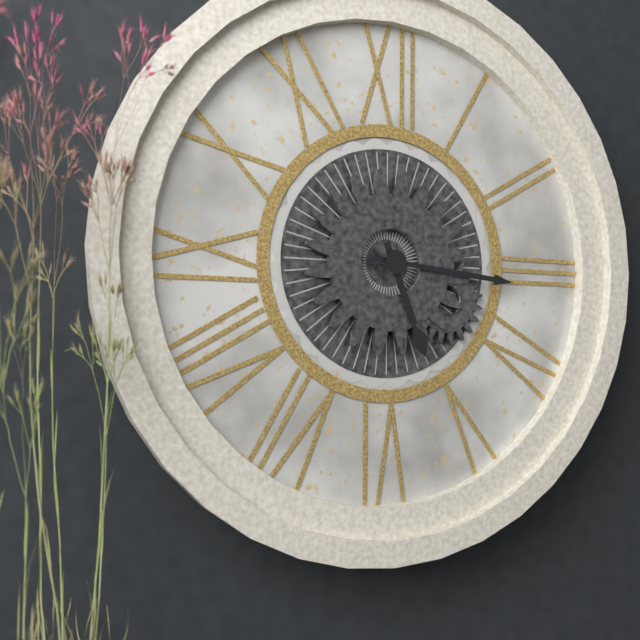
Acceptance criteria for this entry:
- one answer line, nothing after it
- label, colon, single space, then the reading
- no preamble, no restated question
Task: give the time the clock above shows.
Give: 5:16
